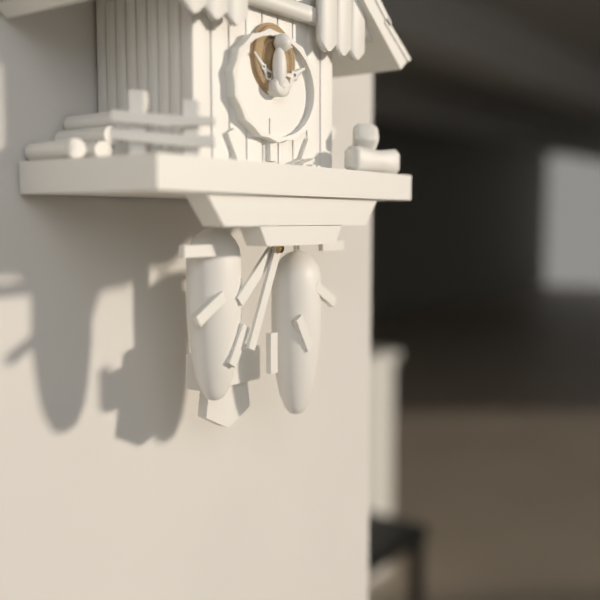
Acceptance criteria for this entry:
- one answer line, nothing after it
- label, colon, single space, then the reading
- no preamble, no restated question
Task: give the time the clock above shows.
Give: 7:34
